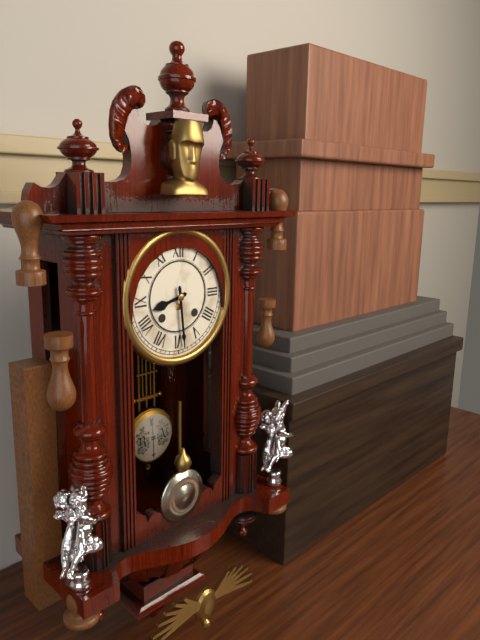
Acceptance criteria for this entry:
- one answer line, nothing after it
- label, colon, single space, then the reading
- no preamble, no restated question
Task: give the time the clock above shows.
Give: 8:29
